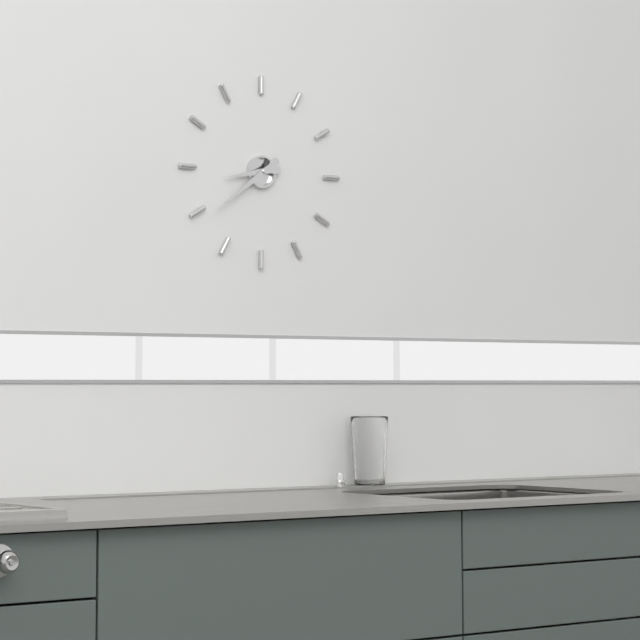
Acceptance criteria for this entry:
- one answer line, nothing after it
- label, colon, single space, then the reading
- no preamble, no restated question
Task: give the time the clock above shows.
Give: 8:39
